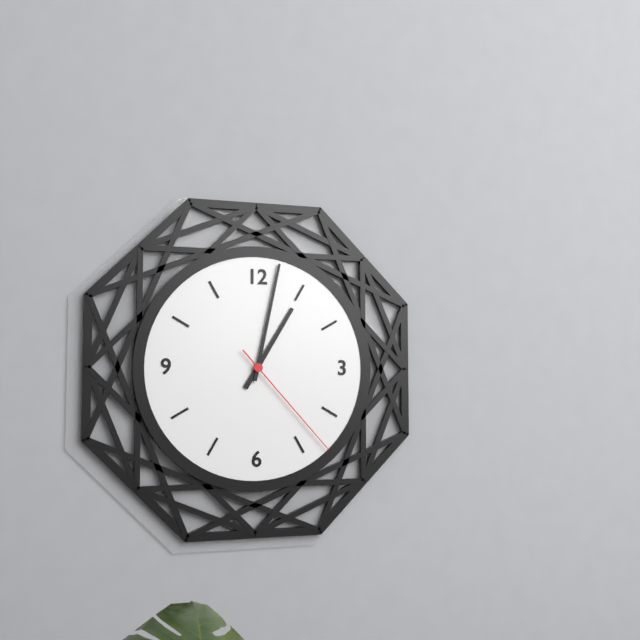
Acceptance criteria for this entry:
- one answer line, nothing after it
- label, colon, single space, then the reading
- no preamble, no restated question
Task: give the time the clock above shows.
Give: 1:02:23
